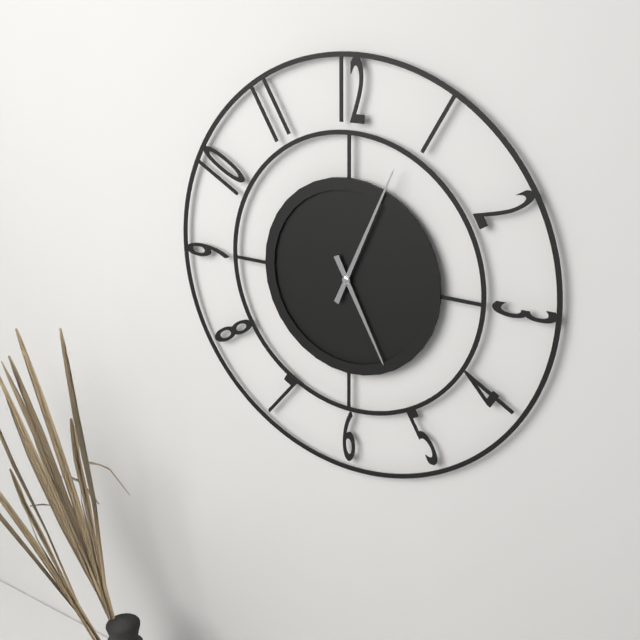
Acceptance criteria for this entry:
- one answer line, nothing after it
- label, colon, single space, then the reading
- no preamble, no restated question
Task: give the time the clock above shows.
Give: 5:04
